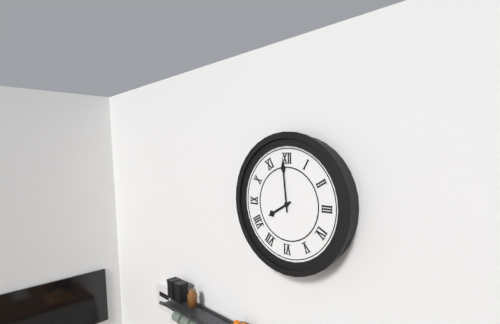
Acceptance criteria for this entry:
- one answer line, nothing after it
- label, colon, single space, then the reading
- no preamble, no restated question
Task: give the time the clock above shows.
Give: 7:59
